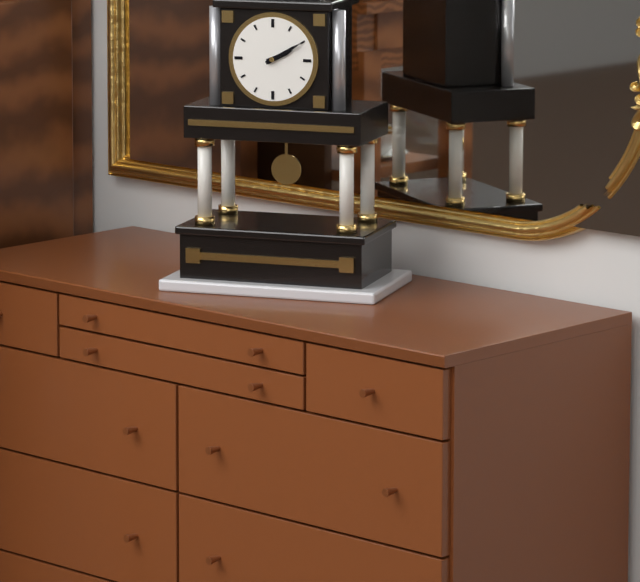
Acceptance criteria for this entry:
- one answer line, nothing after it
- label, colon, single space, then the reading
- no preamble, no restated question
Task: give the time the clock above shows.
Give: 2:10
